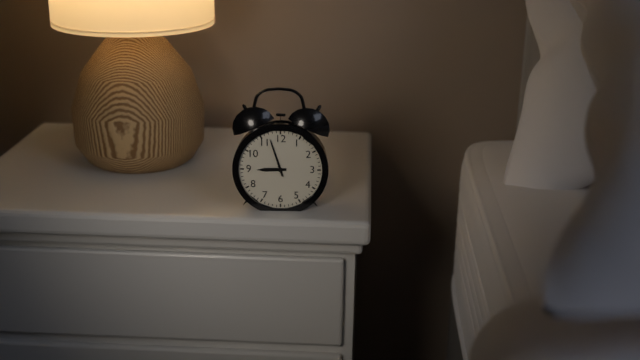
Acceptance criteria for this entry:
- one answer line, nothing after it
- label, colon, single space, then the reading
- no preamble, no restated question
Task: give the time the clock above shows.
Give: 8:57
